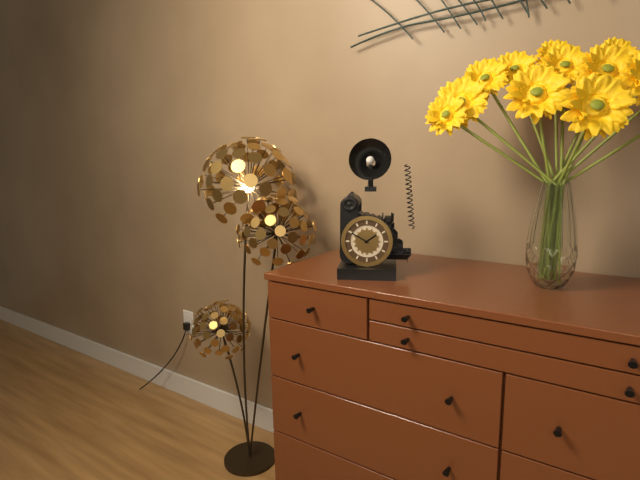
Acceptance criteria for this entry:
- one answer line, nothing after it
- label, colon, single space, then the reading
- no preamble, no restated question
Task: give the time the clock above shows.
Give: 1:50
